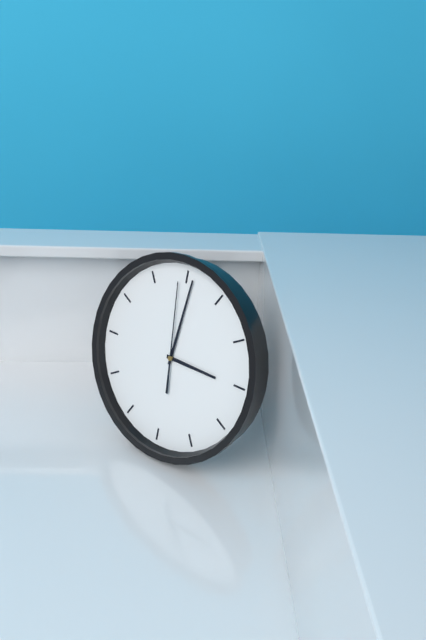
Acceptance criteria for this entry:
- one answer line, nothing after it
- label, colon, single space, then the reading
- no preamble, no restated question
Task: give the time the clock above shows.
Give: 3:01:59
